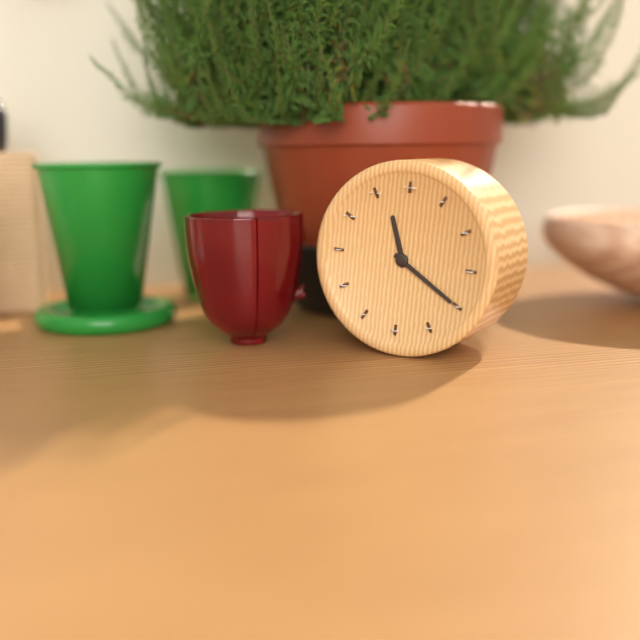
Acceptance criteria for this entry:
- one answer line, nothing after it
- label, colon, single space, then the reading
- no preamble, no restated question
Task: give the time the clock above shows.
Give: 11:20
